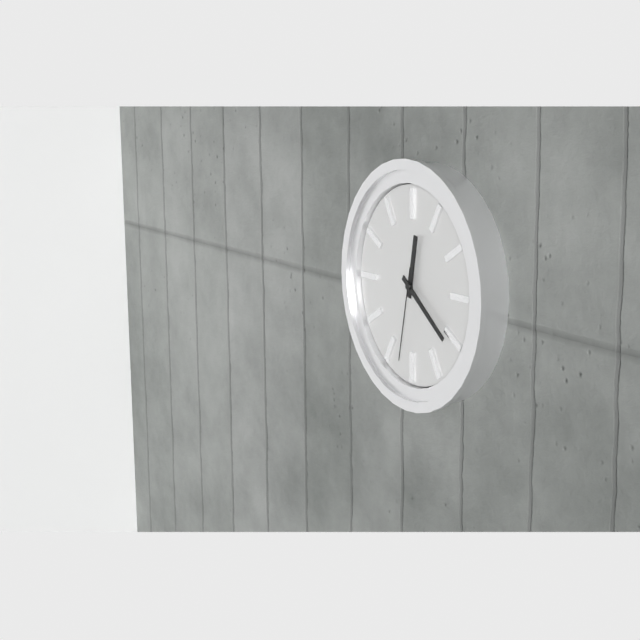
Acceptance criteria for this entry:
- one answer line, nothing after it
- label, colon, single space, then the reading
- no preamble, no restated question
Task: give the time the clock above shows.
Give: 12:21:32
